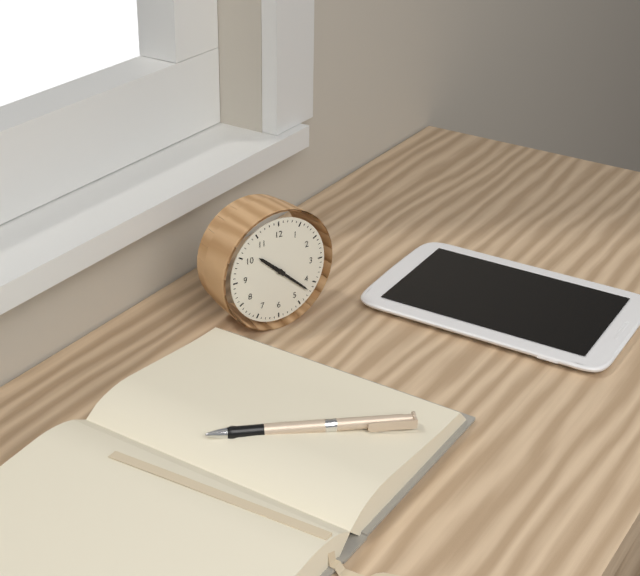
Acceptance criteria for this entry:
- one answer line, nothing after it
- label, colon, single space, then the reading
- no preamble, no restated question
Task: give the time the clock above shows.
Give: 10:22
